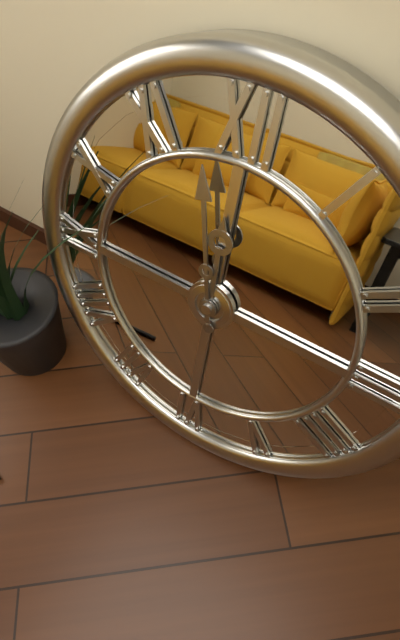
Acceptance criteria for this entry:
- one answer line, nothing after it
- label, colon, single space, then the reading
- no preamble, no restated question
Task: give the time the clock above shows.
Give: 11:58
